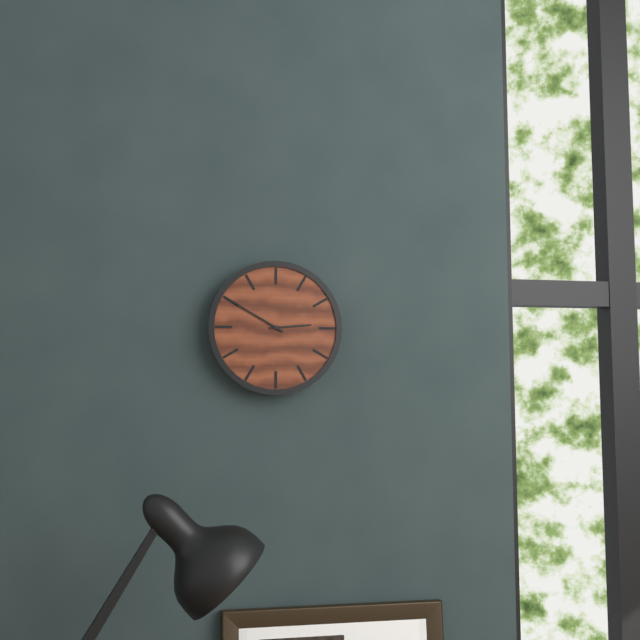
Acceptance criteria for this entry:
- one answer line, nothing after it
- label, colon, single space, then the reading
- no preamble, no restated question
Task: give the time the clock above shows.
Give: 2:50
